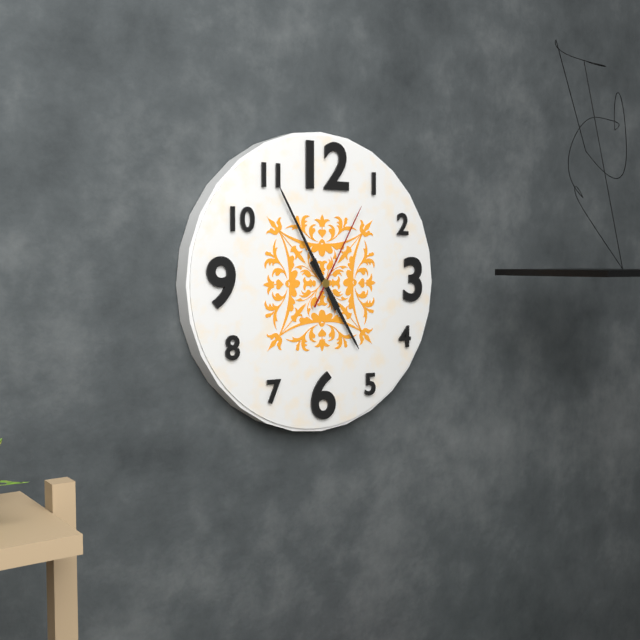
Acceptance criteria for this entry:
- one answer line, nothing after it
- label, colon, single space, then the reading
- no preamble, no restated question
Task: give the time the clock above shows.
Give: 4:55:05
